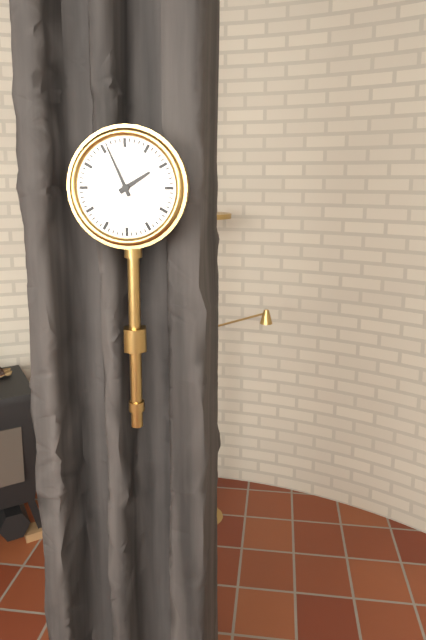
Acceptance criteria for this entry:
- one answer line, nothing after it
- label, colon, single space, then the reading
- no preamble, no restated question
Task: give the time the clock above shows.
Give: 1:56
